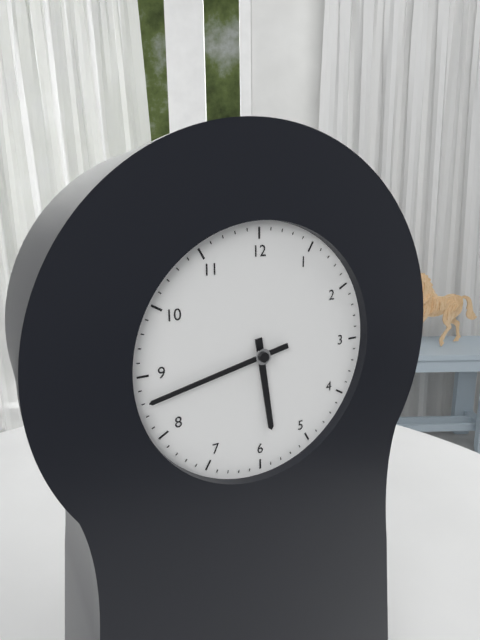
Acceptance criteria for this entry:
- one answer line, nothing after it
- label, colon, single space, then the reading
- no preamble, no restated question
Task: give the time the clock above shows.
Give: 5:43
